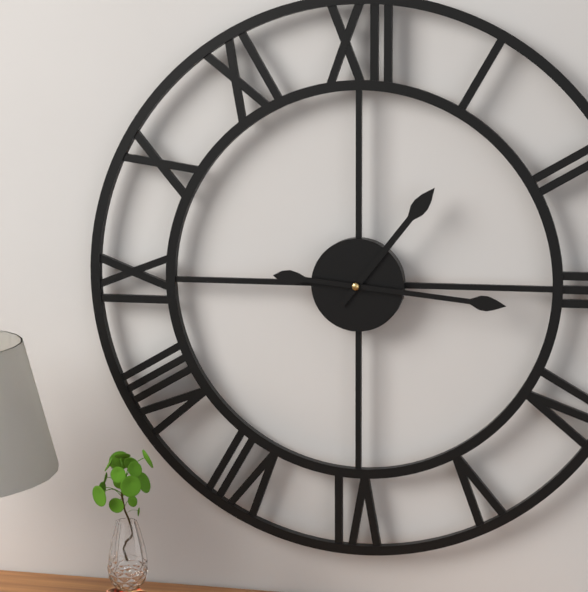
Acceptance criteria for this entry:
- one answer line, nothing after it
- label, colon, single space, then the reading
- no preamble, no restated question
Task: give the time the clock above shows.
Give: 1:16
